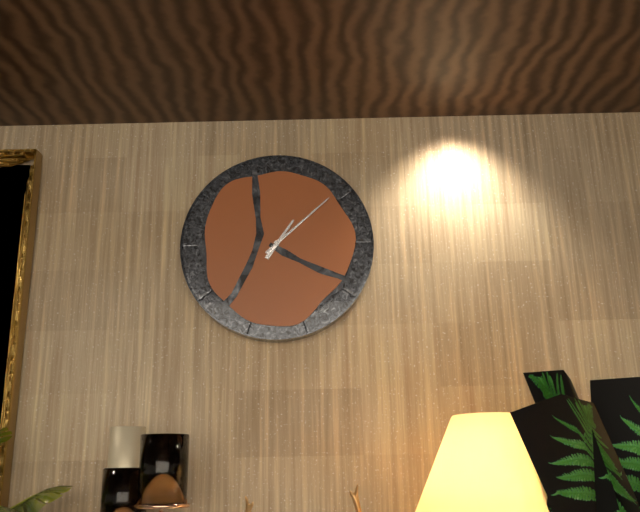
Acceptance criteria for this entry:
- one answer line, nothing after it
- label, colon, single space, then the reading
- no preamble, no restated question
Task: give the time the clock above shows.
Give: 1:08:08
